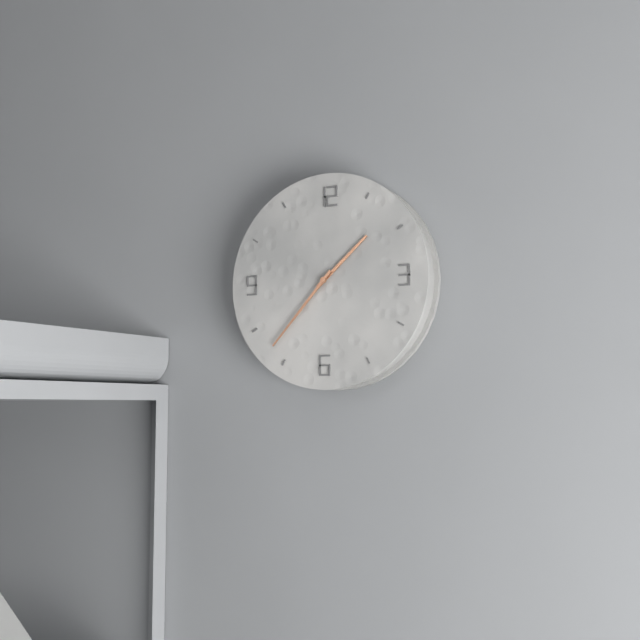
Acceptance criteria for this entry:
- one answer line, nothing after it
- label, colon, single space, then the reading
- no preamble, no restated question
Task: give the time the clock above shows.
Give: 1:37
